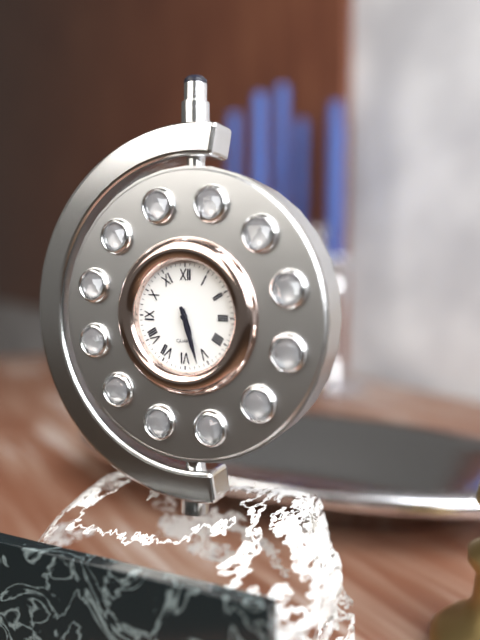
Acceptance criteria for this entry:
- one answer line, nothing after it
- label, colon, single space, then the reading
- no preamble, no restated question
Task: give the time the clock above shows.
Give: 5:27
